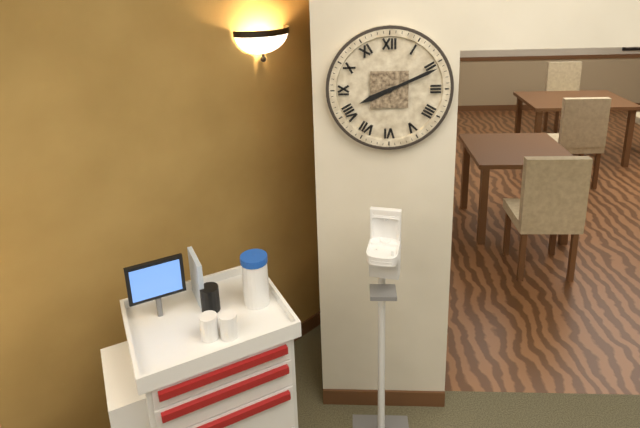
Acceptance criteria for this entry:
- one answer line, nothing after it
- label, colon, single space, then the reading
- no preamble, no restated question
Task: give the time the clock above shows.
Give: 8:11
